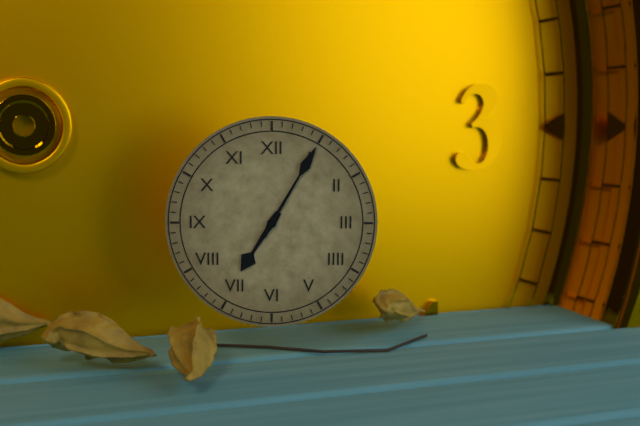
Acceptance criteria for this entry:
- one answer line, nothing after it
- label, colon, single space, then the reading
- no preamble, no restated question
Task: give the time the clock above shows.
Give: 7:05
